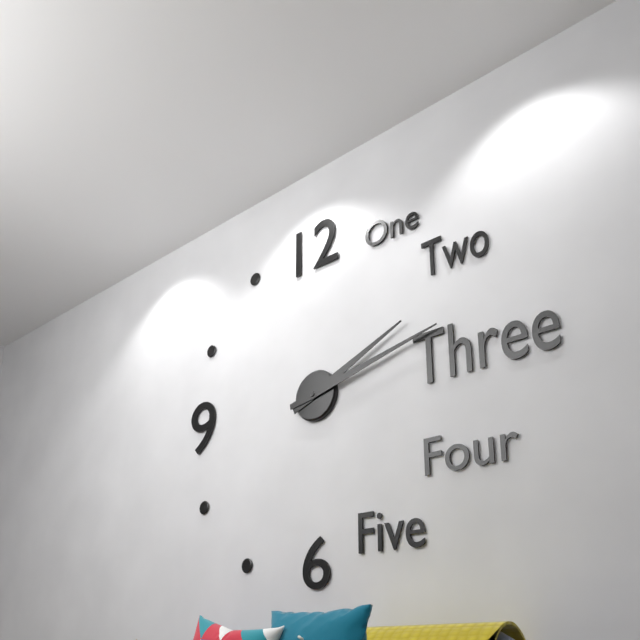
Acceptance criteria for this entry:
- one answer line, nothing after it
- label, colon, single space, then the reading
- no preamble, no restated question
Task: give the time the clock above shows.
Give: 2:13
